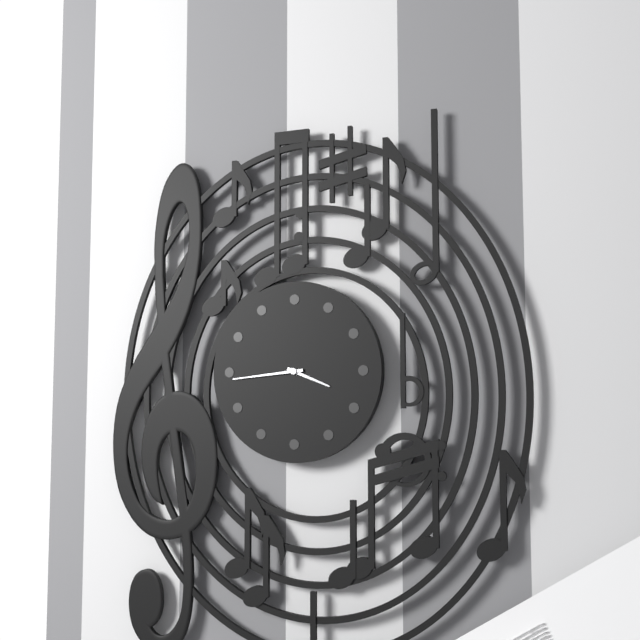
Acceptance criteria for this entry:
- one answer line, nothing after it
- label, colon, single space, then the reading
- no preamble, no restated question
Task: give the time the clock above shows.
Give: 3:44
